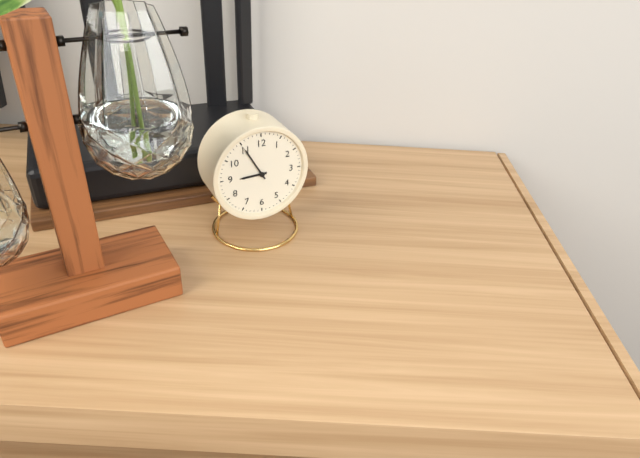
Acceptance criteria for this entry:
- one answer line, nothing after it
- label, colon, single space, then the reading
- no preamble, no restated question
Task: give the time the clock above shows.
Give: 8:55
